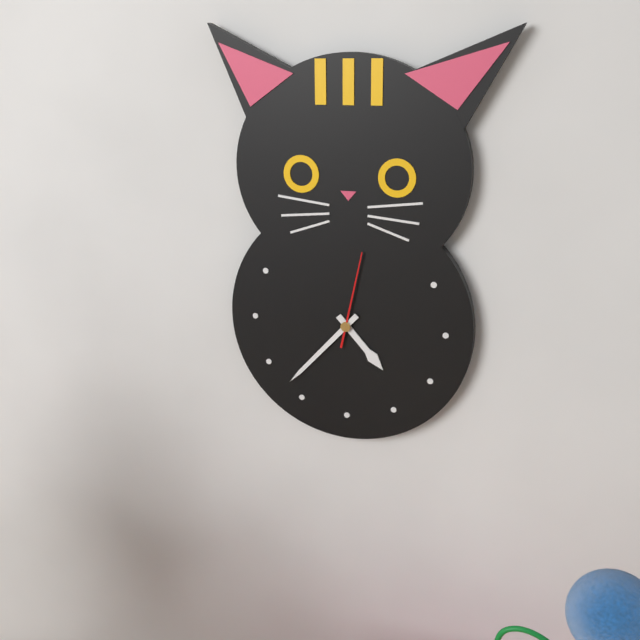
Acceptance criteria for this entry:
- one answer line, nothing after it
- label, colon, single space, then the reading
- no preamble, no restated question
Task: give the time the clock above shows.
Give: 4:37:02
